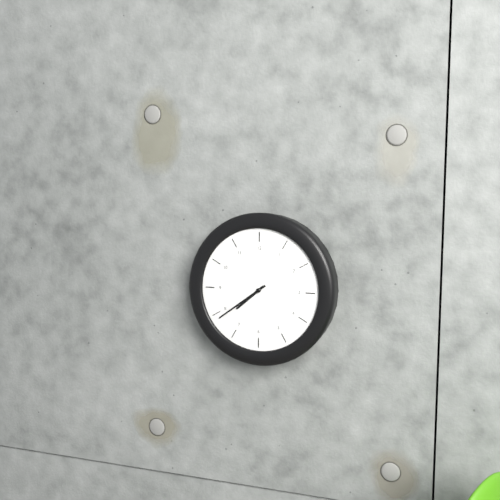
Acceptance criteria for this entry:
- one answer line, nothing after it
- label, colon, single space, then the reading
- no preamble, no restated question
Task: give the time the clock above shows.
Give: 7:39
